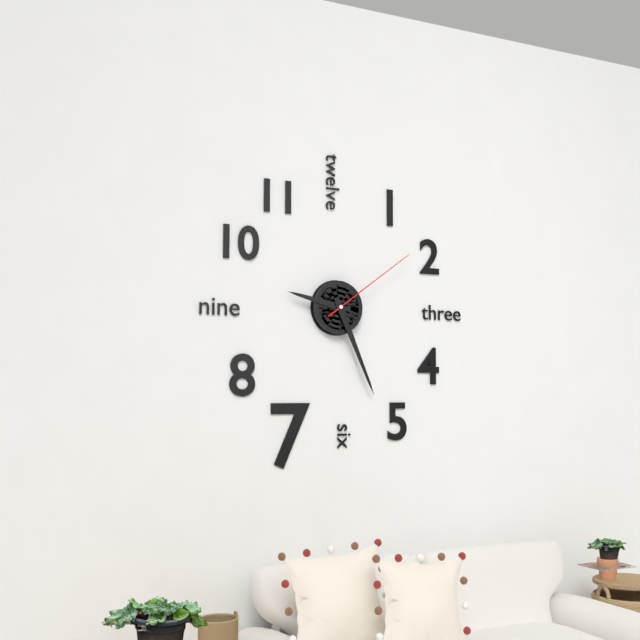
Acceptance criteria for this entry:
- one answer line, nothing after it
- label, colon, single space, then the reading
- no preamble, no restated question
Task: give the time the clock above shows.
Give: 9:26:09
